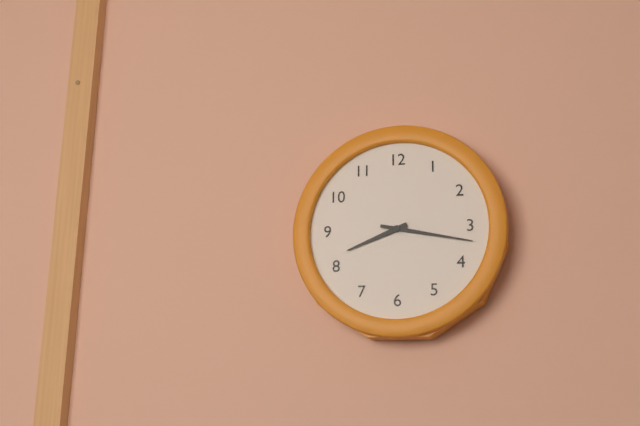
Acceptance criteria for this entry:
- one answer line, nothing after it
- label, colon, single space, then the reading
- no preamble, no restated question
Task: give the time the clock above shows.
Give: 8:17
